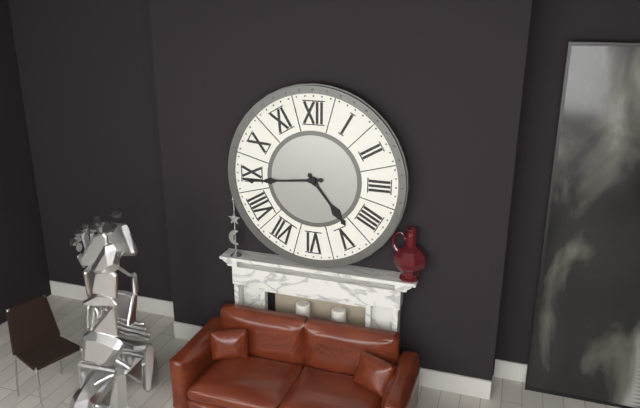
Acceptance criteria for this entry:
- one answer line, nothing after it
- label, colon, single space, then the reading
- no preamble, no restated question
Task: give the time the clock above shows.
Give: 4:44
